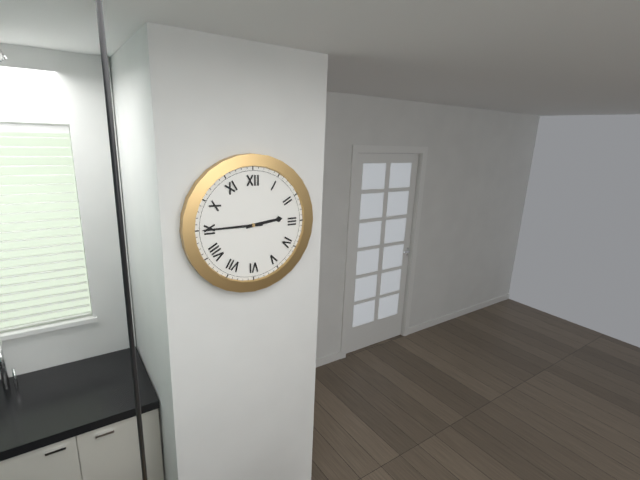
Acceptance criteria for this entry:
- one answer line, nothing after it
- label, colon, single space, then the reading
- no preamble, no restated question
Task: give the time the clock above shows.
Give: 2:45
